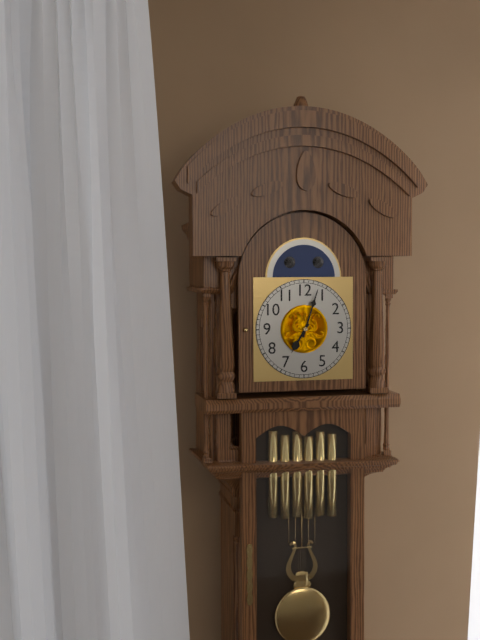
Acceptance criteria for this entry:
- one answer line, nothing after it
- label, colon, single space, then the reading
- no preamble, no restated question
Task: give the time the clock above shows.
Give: 7:03
